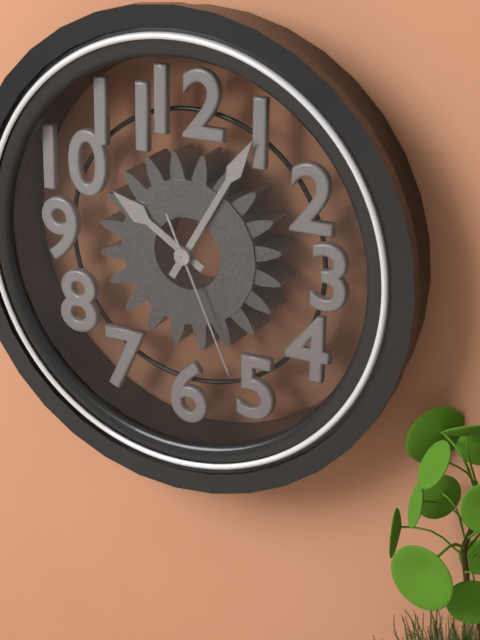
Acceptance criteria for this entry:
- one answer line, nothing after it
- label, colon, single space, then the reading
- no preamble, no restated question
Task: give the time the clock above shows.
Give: 10:05:26
